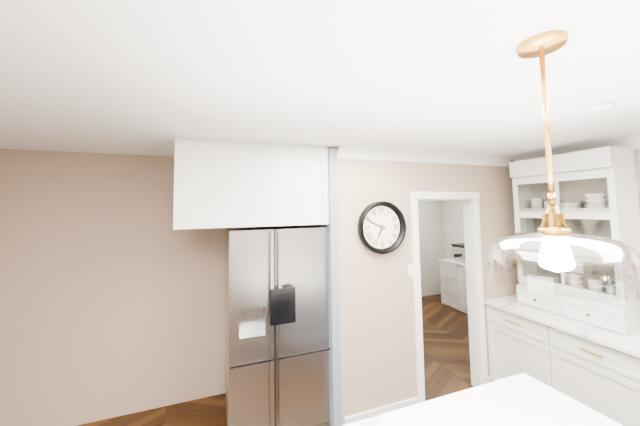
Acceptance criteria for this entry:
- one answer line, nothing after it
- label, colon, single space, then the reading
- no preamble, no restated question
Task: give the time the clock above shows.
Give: 6:49
